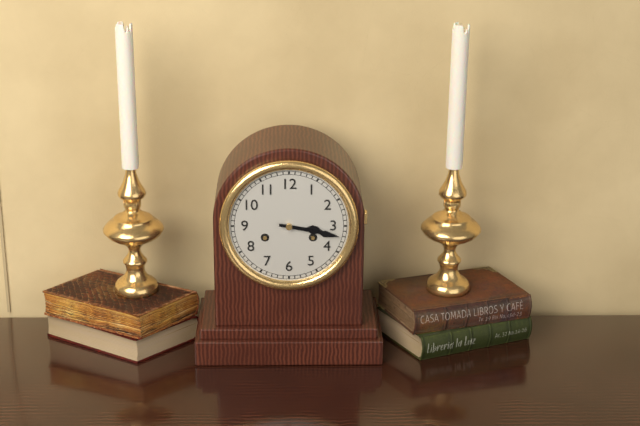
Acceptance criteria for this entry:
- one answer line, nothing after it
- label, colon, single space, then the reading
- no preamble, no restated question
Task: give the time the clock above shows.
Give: 3:17
